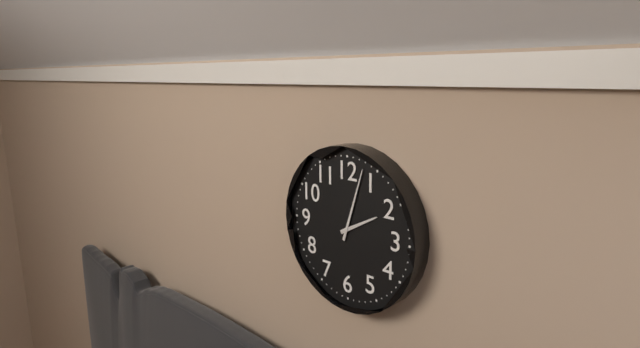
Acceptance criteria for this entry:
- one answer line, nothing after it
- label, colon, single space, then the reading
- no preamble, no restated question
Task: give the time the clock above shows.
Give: 2:03
